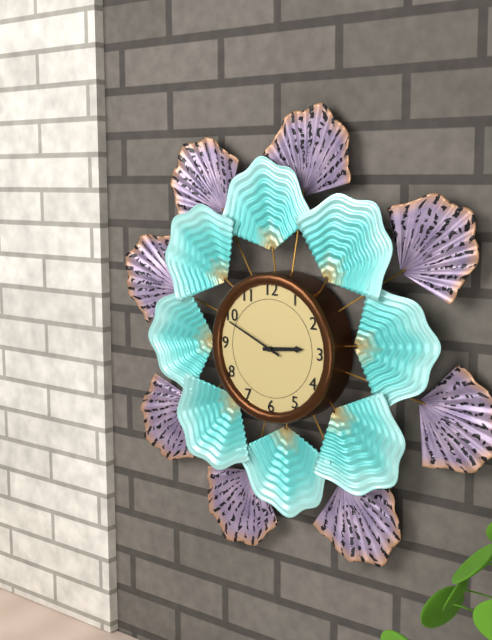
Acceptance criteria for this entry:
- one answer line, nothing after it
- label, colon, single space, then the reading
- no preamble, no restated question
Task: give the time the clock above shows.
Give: 2:49
